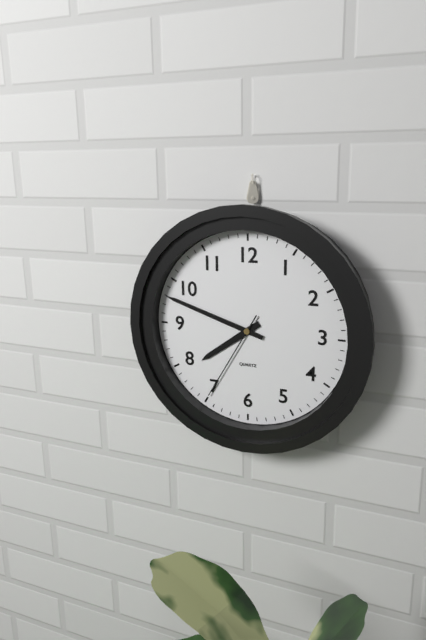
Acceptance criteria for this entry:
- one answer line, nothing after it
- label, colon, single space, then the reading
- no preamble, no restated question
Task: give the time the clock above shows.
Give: 7:48:35
